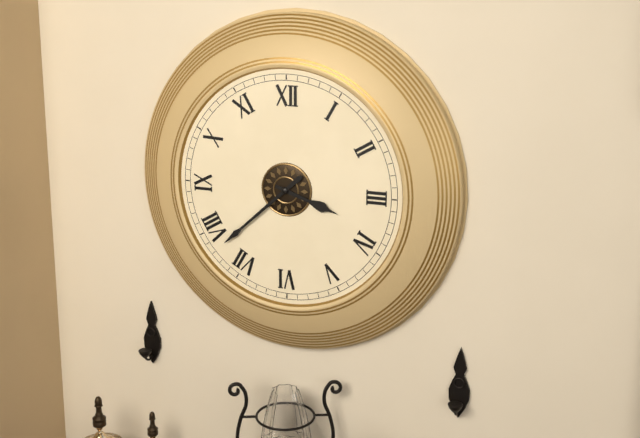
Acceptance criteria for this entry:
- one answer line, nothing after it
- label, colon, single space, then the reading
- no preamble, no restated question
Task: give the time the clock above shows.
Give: 3:38
